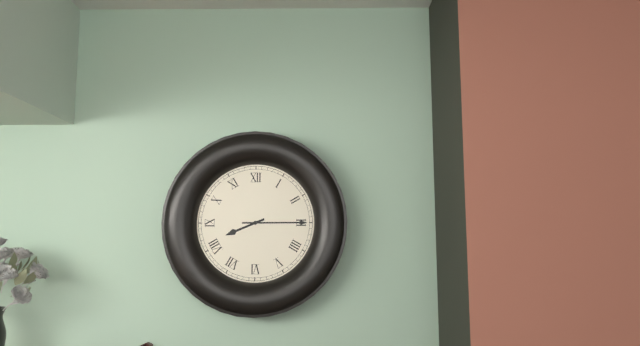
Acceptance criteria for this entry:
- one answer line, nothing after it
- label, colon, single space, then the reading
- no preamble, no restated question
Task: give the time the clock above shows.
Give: 8:15
